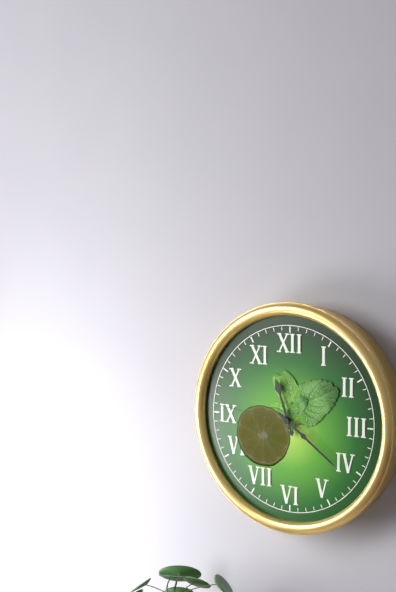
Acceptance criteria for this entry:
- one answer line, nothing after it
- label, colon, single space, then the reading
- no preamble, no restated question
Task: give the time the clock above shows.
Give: 11:21:46
